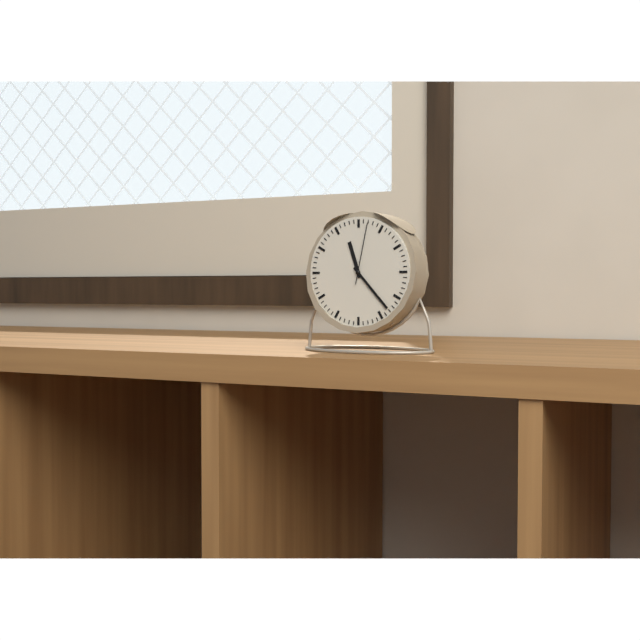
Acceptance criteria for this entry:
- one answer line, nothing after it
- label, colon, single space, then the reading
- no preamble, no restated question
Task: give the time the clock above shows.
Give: 11:23:02
